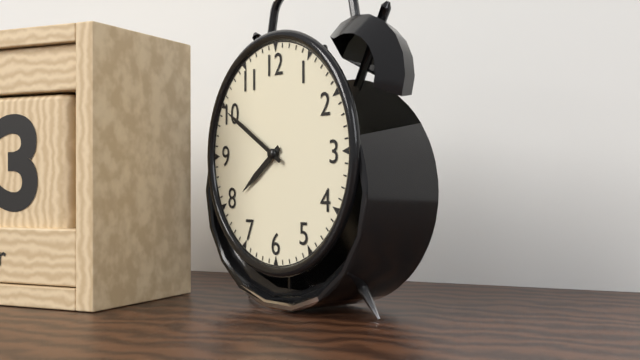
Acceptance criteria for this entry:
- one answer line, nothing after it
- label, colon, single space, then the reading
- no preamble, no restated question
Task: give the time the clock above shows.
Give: 7:50
